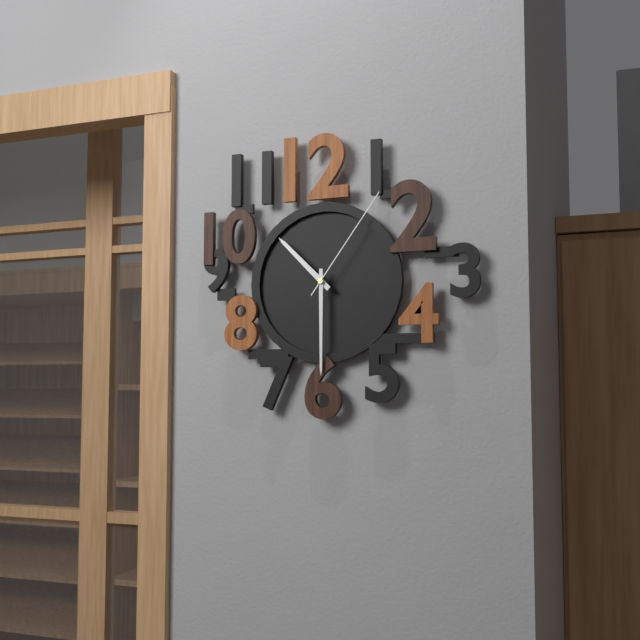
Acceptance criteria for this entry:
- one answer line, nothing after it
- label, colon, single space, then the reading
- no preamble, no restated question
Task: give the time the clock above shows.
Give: 10:30:06
